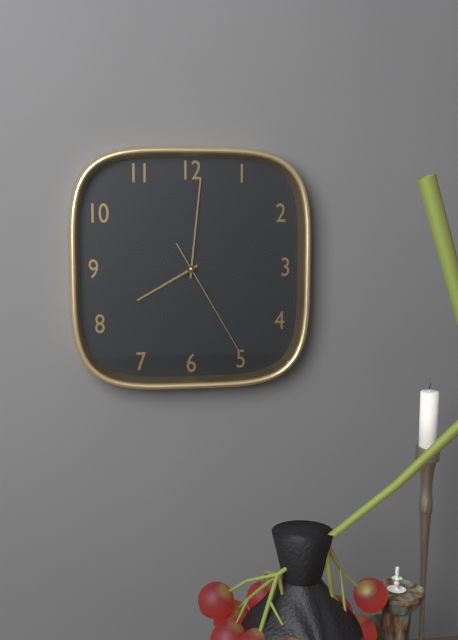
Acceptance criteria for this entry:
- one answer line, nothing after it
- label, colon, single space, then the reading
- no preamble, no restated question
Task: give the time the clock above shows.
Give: 8:01:25
